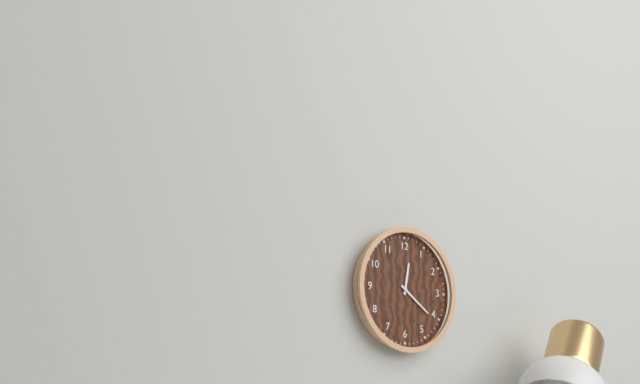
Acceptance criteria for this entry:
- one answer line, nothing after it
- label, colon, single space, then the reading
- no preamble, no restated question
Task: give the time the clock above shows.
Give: 12:21
